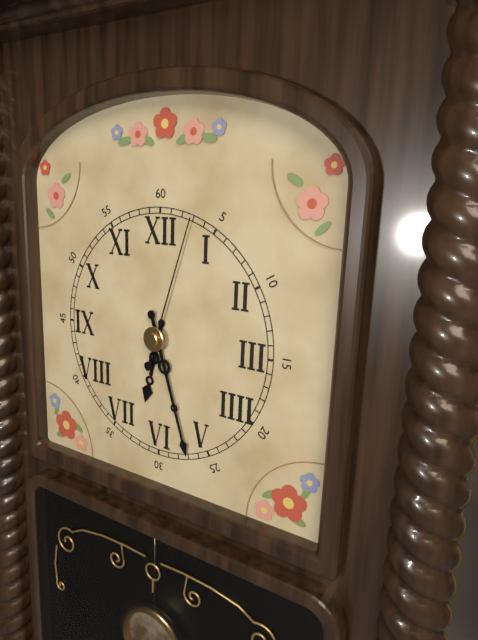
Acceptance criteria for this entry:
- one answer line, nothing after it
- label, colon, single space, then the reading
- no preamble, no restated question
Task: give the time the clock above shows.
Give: 6:27:03
